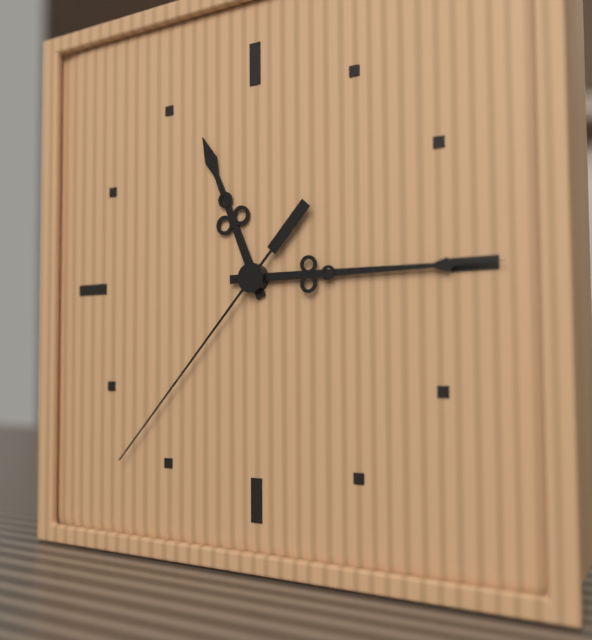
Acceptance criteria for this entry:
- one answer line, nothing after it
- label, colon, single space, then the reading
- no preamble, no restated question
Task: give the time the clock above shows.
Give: 11:15:37
